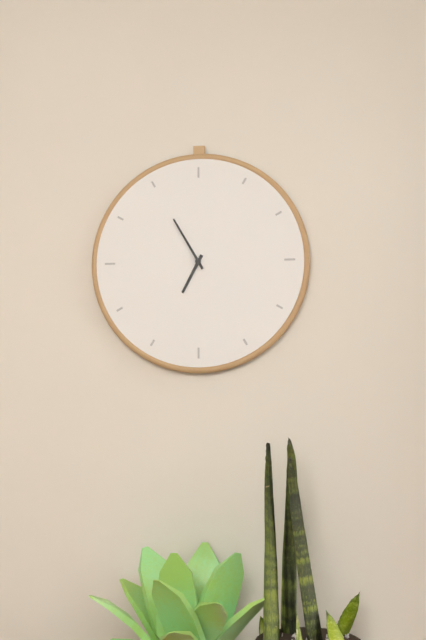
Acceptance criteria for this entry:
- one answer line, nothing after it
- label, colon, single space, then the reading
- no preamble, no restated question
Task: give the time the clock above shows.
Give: 6:55
